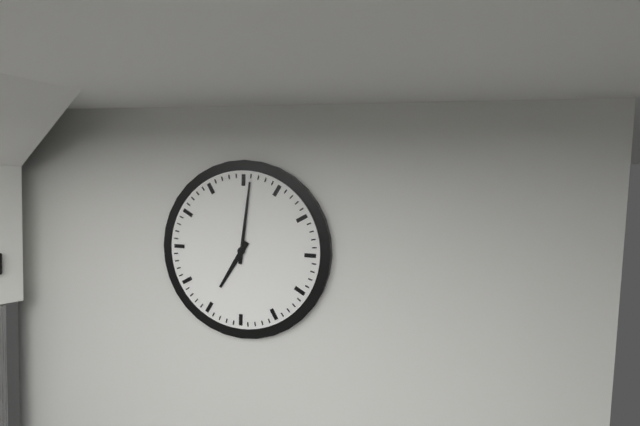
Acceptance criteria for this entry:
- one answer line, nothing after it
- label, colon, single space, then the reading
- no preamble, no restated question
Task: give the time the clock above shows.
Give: 7:01
